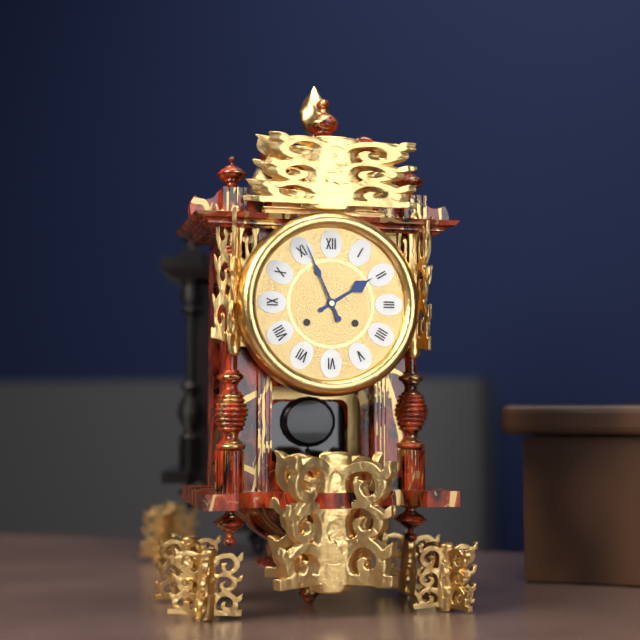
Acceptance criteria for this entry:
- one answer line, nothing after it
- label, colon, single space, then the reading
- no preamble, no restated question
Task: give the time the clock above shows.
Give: 1:56
